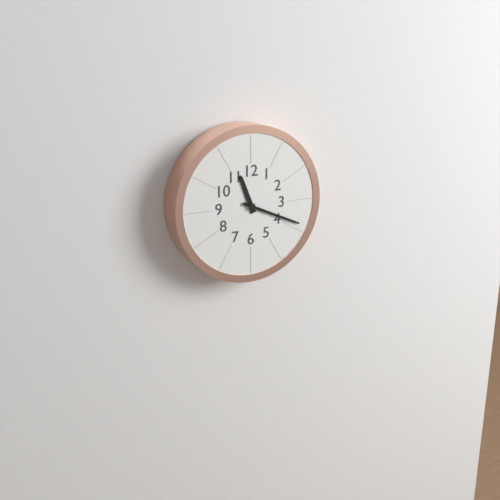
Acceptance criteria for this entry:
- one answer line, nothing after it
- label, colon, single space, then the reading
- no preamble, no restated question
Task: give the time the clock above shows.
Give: 11:19
